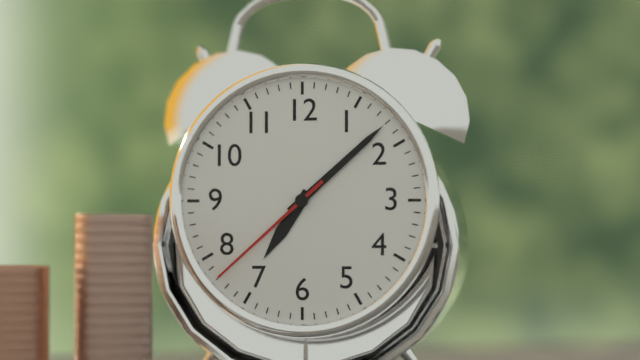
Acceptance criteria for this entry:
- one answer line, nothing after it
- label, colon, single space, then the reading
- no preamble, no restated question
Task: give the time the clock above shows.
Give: 7:08:38
